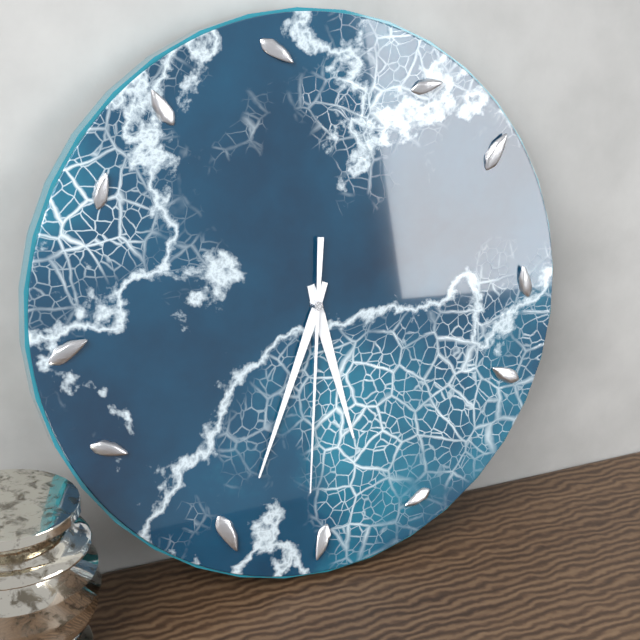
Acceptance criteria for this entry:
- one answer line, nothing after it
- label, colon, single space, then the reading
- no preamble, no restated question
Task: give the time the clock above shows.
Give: 5:34:31
